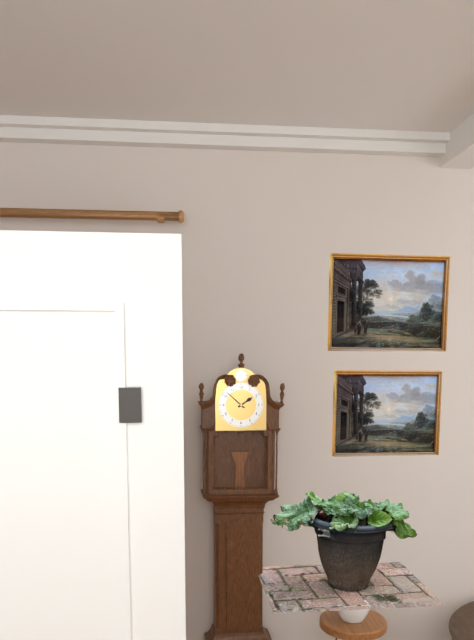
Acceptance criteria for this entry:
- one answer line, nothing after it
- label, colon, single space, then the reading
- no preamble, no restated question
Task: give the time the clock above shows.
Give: 1:52
